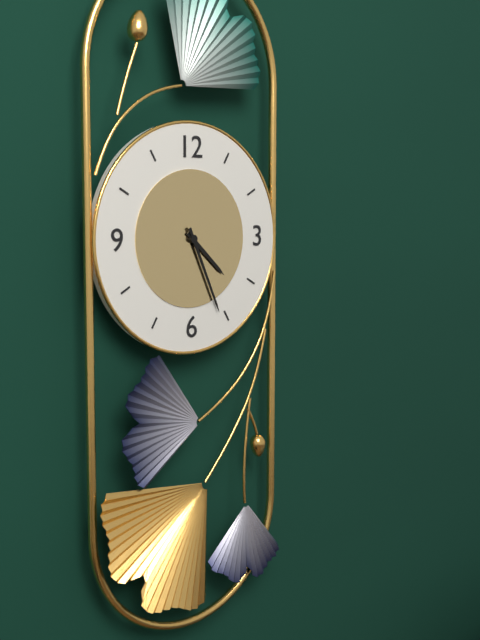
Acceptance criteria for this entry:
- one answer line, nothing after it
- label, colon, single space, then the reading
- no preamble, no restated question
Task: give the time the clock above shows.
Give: 4:26
